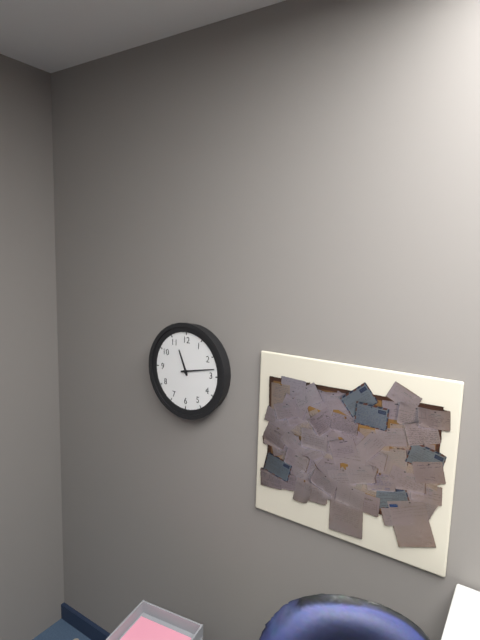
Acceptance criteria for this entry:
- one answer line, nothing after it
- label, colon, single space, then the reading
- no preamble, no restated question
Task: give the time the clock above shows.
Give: 11:13
